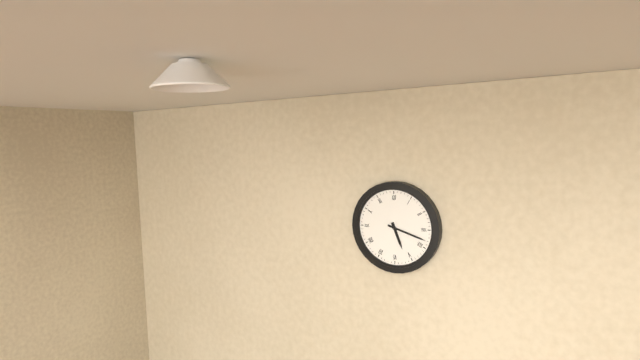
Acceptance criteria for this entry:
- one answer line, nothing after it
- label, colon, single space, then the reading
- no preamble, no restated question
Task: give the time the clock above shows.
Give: 5:18
